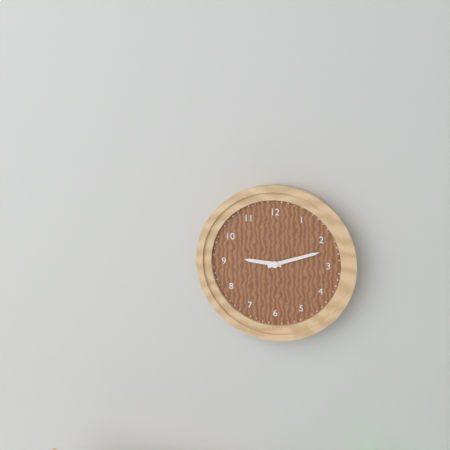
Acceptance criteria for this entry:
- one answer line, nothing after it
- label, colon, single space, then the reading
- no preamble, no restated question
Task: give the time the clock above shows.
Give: 9:12
